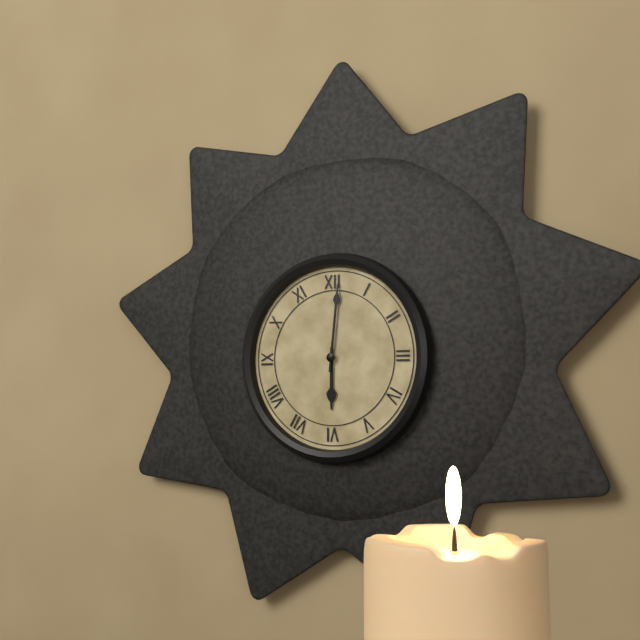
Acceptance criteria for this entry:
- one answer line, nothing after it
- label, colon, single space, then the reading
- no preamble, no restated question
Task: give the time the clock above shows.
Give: 6:01
